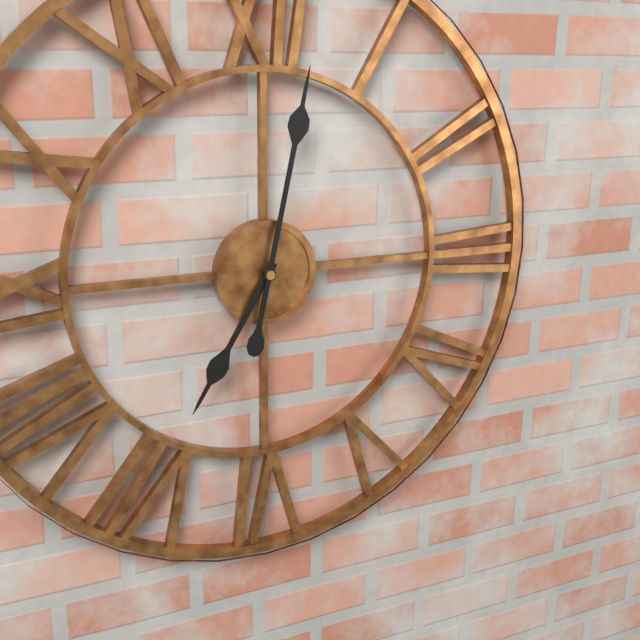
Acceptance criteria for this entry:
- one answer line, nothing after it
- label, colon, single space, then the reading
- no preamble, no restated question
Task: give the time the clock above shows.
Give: 7:02
